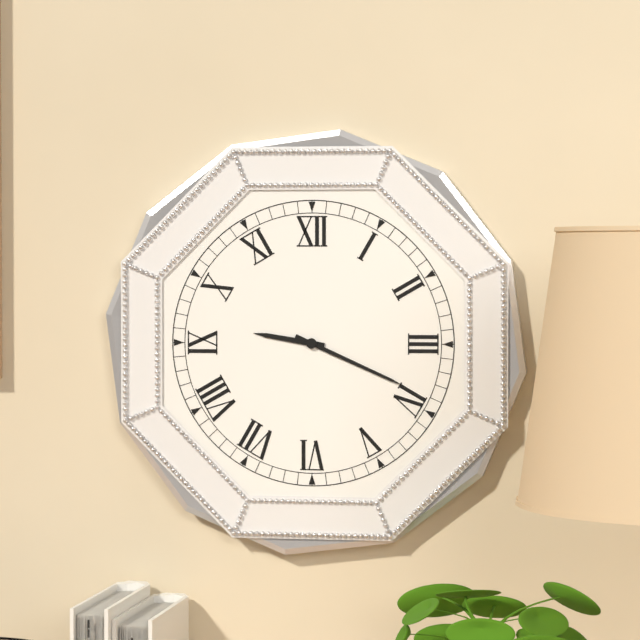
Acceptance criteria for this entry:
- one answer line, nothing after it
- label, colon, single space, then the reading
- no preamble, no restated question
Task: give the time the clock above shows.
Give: 9:19
